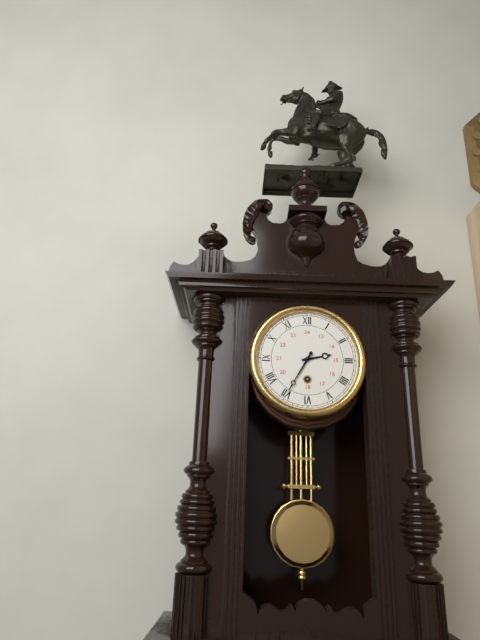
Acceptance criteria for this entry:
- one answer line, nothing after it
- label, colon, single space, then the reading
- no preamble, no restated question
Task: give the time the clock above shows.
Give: 2:35
